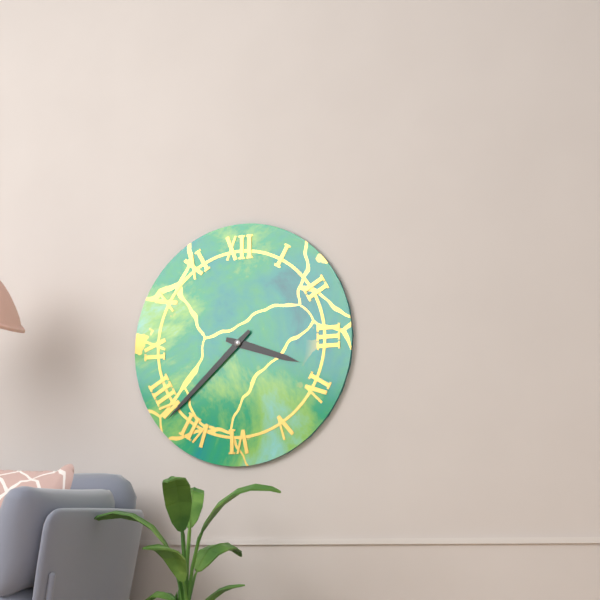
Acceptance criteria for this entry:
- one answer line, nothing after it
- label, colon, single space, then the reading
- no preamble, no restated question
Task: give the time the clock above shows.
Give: 3:38
